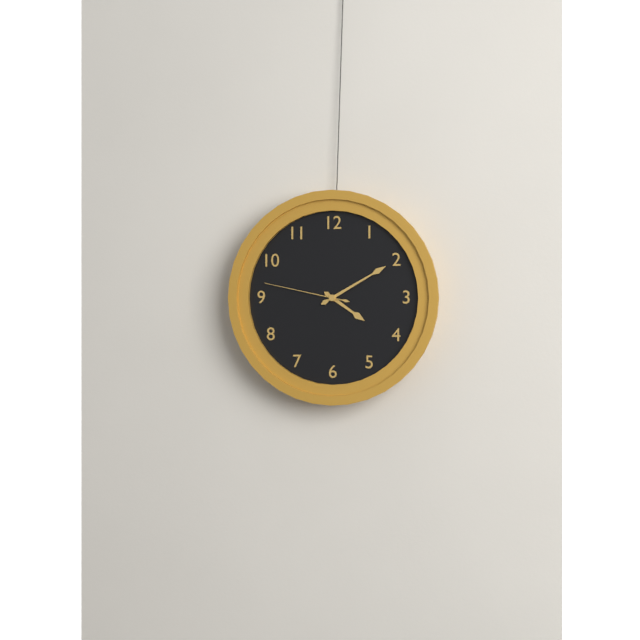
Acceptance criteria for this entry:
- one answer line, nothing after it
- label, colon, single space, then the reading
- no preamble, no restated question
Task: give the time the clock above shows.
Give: 4:10:47
